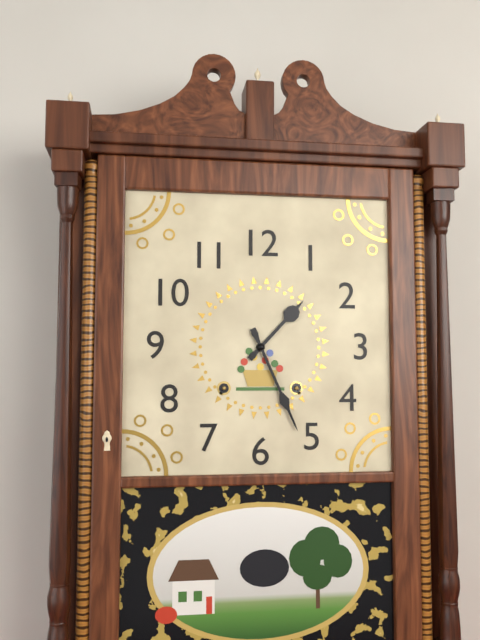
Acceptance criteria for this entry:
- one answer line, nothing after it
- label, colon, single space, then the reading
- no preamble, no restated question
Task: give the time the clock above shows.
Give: 1:26
